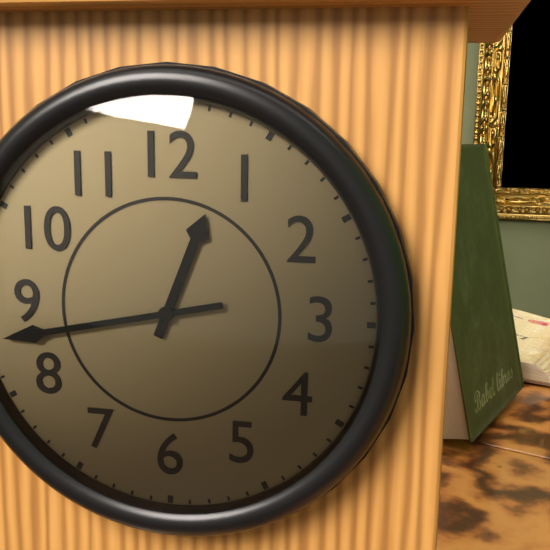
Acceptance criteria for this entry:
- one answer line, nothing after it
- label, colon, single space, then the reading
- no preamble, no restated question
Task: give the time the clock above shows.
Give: 12:43
